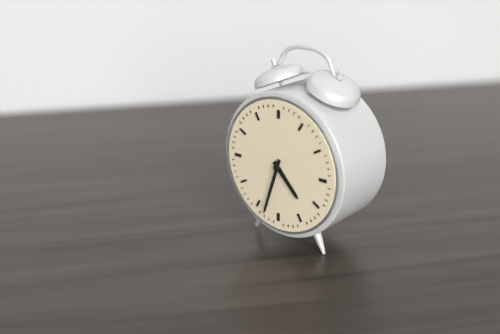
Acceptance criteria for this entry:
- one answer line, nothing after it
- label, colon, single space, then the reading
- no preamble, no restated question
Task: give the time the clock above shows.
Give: 4:33
